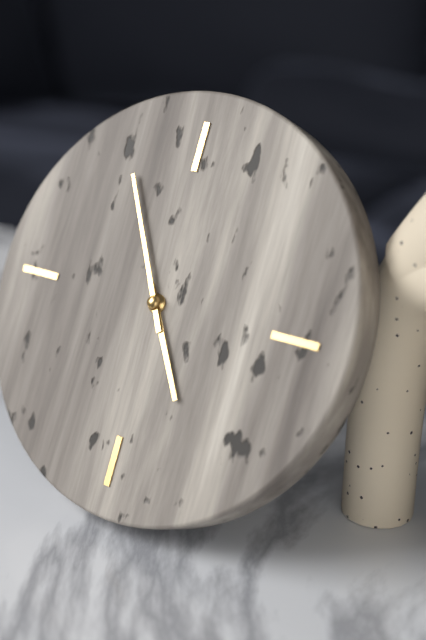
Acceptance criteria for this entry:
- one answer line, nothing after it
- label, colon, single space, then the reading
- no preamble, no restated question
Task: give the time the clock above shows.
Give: 4:55
